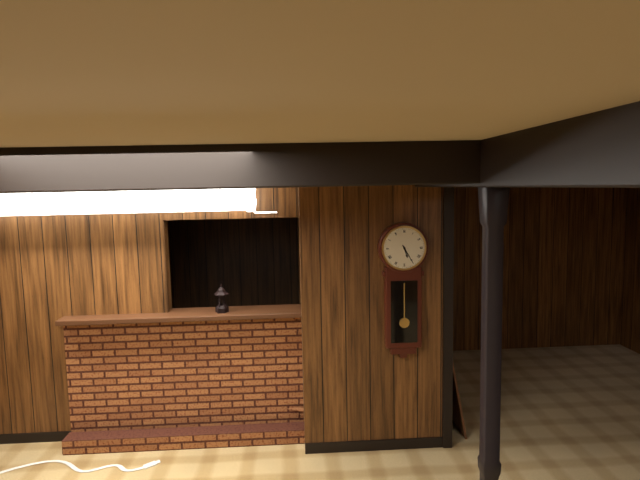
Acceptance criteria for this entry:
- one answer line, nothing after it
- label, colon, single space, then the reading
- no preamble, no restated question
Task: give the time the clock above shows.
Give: 5:25
